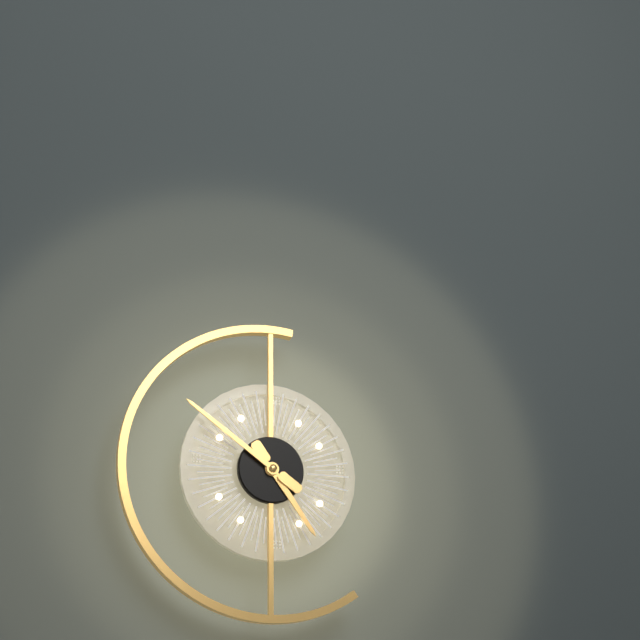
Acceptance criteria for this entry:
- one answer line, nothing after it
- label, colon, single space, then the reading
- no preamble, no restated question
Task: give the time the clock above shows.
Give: 4:51
